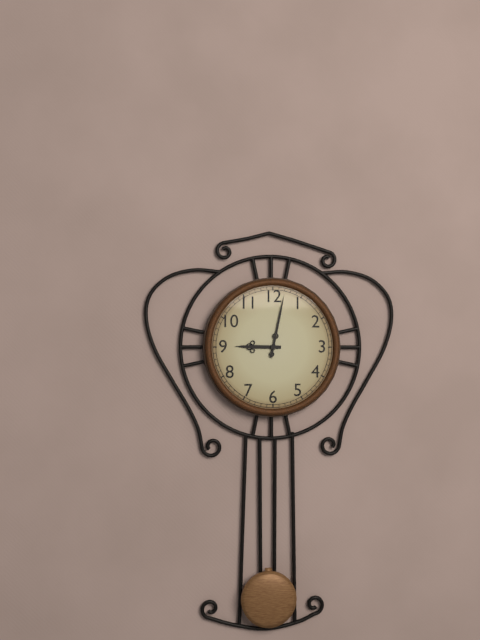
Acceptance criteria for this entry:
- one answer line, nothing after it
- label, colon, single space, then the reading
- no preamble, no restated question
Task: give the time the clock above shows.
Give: 9:02
